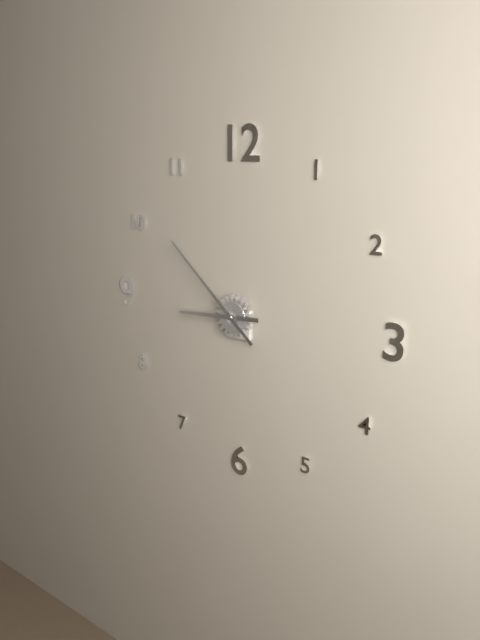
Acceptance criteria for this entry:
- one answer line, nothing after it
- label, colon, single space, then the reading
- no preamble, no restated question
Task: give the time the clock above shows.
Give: 8:52
